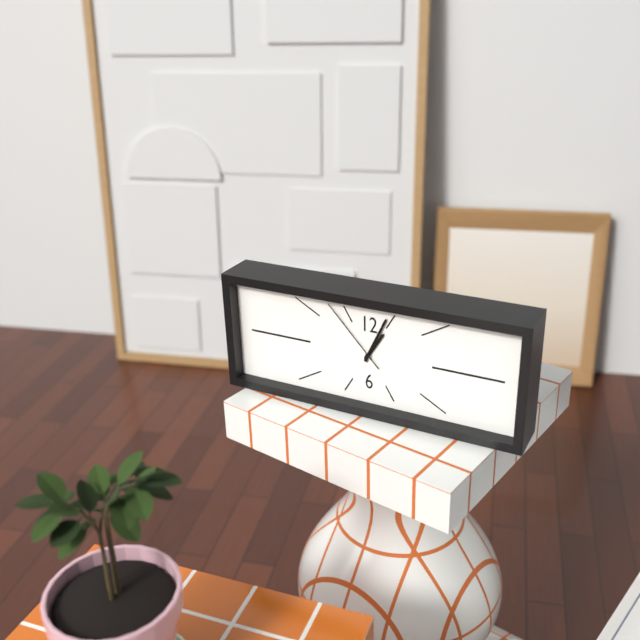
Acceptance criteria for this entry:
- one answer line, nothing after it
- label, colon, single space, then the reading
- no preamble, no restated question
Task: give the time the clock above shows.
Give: 1:04:53
